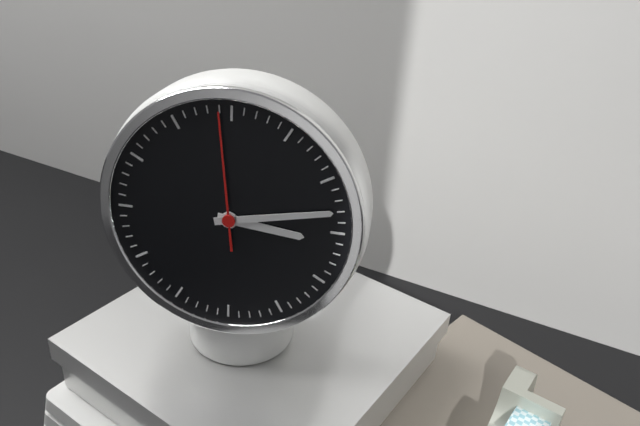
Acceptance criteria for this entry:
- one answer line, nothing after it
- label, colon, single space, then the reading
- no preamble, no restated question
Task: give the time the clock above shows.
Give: 3:13:59
